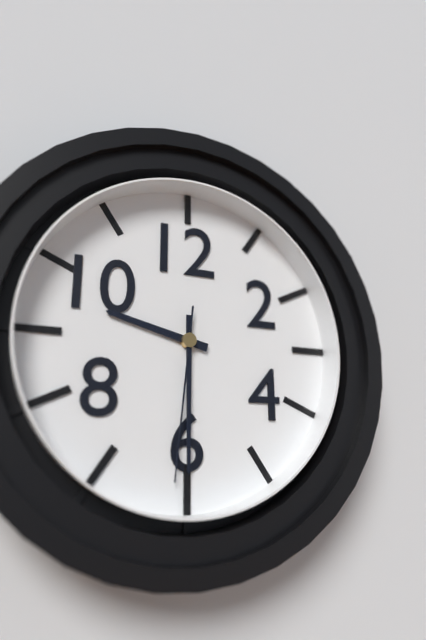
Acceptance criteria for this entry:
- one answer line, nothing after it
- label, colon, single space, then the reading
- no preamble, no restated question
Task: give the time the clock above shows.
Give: 9:30:31
